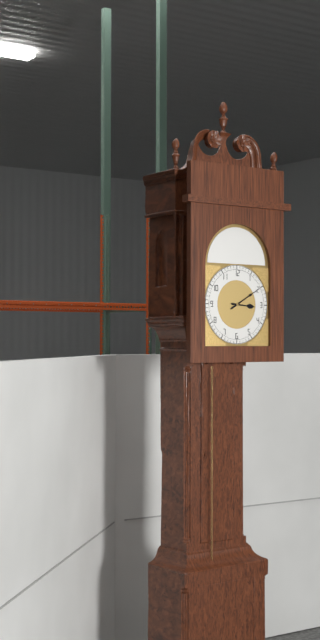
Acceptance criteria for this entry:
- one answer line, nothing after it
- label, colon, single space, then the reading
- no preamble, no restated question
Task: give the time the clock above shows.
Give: 3:10
